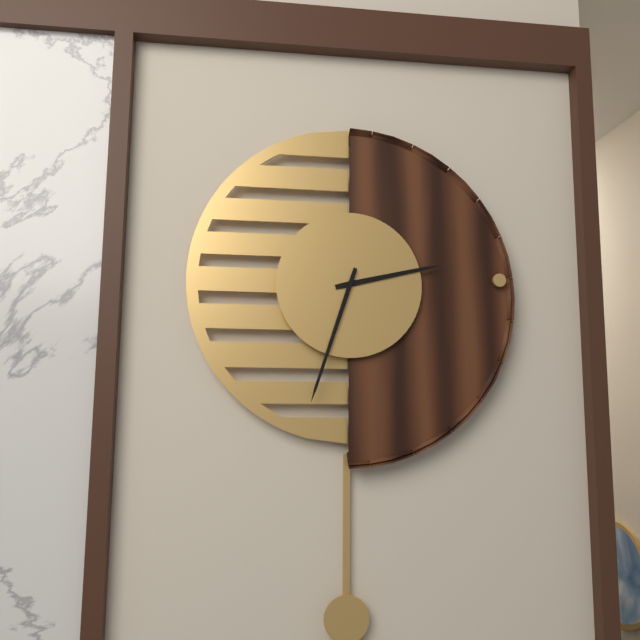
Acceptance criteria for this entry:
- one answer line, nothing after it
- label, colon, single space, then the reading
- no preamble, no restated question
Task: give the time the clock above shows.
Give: 2:33
